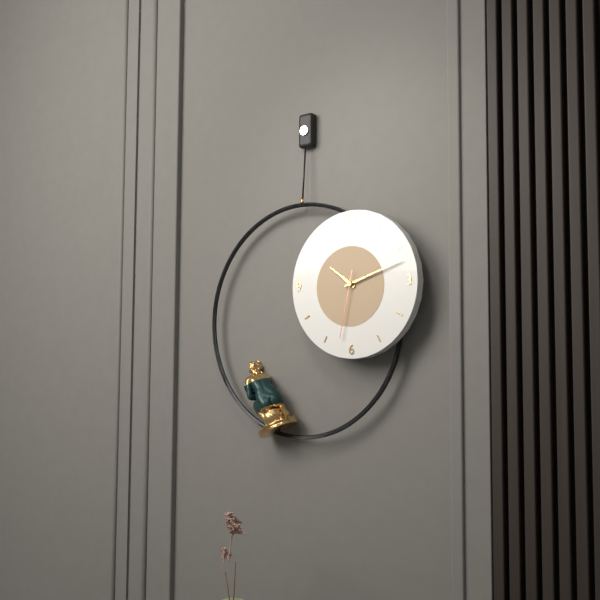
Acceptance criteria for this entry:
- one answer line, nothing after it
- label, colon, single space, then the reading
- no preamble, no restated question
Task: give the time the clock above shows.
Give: 10:12:32
